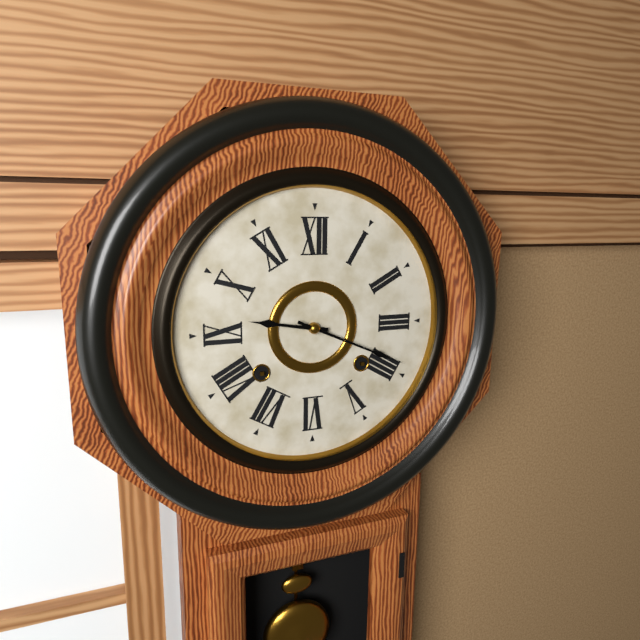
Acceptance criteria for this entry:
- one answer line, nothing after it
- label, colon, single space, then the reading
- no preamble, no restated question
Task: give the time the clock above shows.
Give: 9:19
